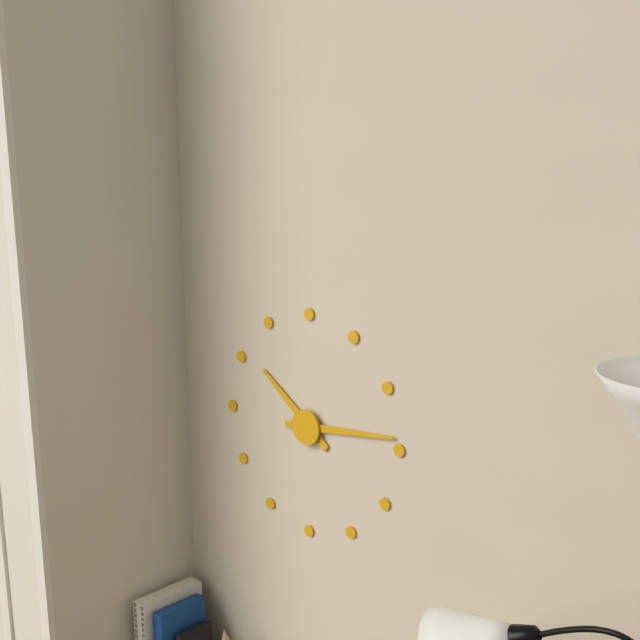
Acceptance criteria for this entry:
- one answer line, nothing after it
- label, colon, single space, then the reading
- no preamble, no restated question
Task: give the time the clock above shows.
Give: 10:14
